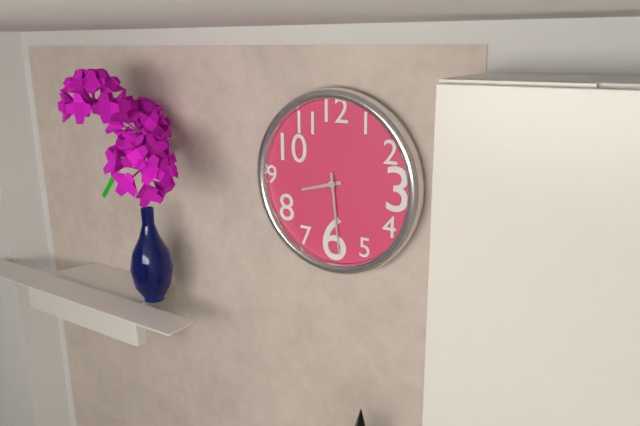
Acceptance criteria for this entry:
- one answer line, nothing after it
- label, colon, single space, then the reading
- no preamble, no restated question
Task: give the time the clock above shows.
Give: 8:29
